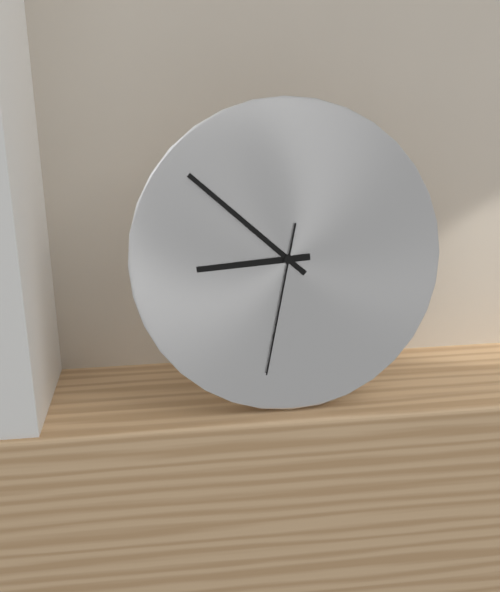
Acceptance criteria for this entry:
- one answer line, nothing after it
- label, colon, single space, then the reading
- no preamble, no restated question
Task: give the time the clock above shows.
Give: 8:52:32
